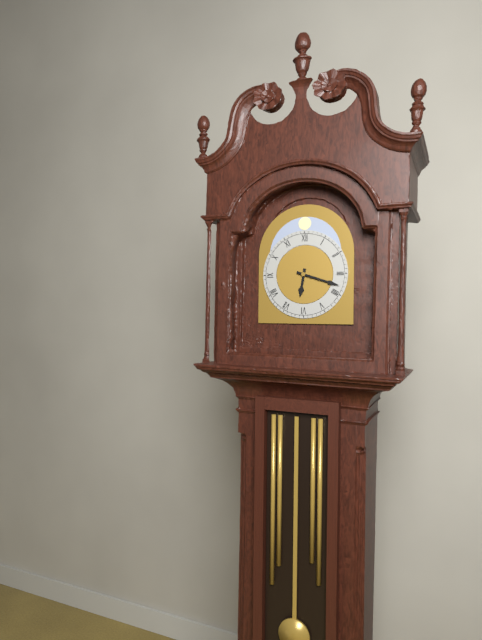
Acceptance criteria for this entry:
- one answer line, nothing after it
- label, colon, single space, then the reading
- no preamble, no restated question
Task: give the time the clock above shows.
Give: 6:18
